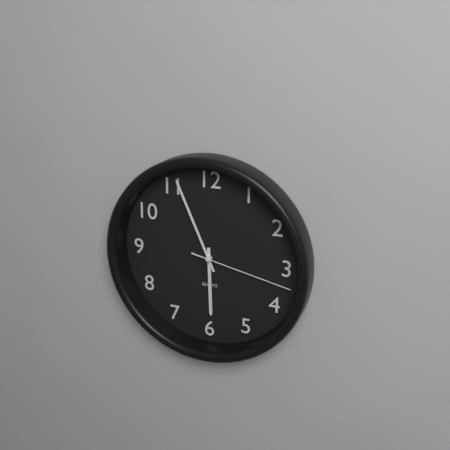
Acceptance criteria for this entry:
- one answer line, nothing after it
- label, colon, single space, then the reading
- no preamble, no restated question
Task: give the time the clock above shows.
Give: 5:56:17
